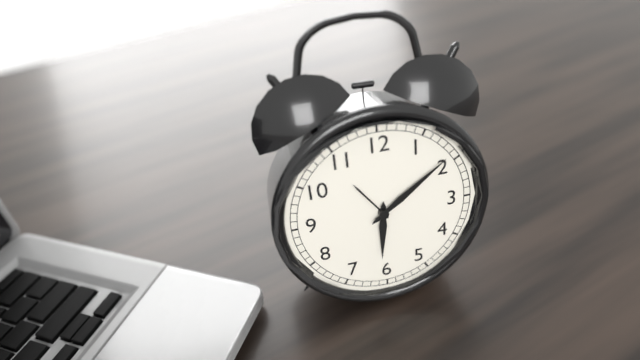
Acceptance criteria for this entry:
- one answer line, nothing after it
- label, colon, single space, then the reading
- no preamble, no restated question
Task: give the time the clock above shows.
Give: 6:09
